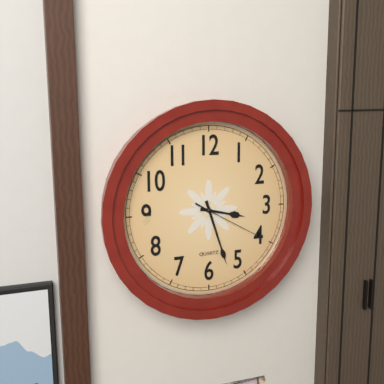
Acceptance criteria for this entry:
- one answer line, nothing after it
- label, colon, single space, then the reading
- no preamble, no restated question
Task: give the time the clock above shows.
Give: 3:27:20
